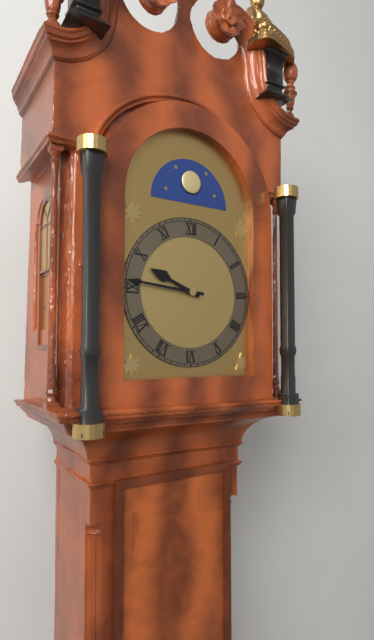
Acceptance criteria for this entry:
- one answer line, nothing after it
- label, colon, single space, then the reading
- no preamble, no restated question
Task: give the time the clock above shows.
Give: 9:46
